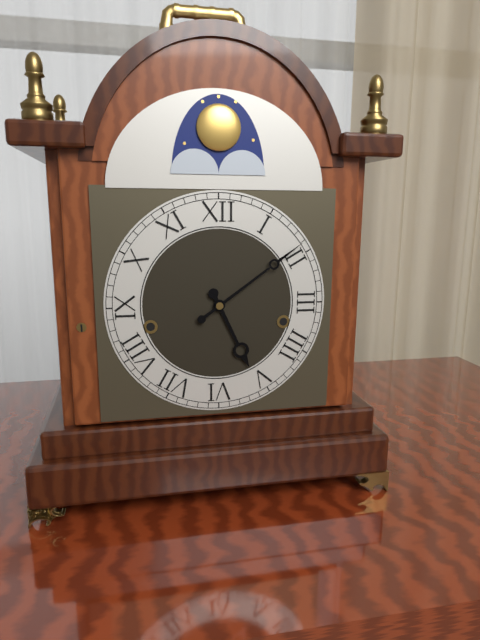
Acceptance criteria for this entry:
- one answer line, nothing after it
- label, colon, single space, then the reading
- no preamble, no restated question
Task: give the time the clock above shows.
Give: 5:09
